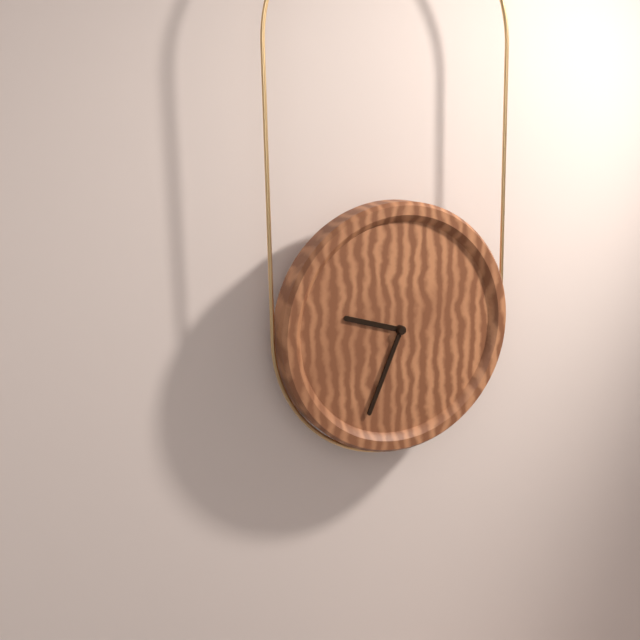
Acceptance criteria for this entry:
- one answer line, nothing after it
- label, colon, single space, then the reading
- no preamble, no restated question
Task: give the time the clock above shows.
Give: 9:34
